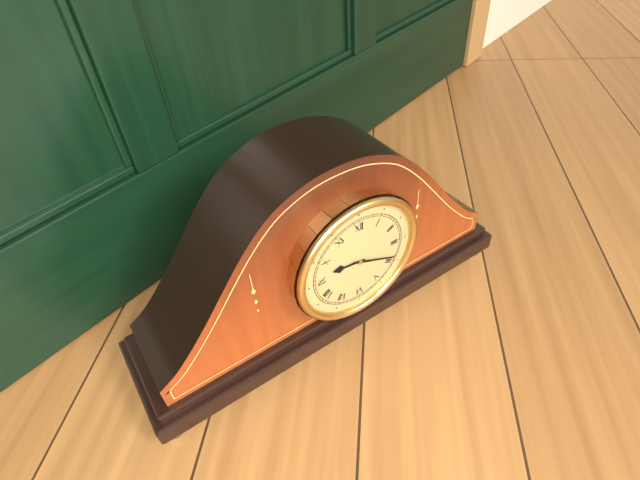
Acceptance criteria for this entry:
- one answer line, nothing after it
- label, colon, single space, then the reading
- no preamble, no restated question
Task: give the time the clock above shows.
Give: 9:19
